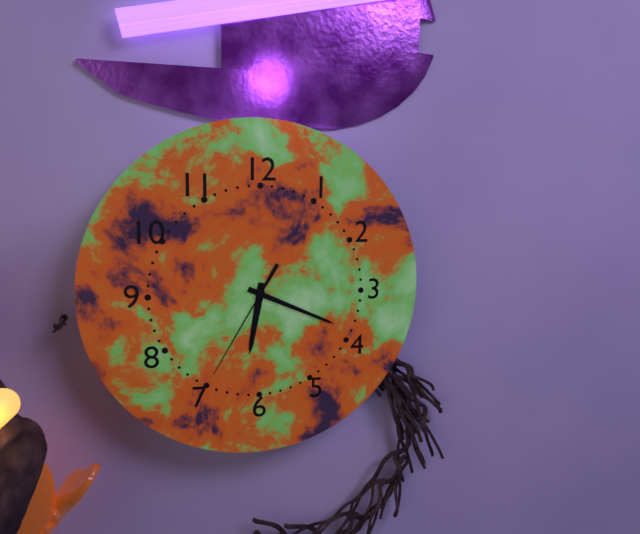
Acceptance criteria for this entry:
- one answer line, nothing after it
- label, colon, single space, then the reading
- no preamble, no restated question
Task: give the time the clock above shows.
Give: 6:19:35
